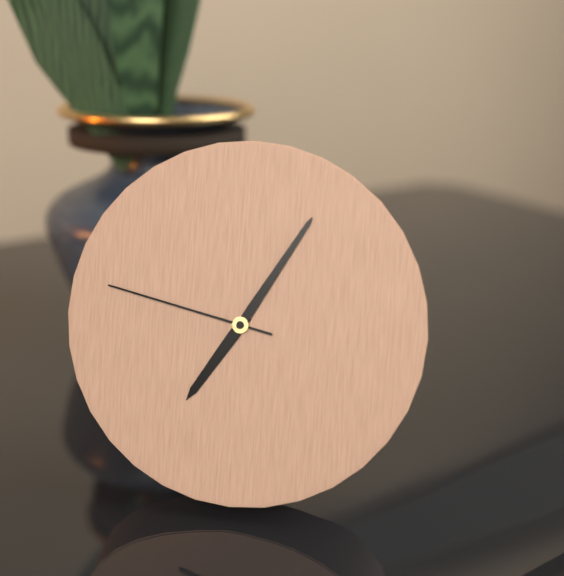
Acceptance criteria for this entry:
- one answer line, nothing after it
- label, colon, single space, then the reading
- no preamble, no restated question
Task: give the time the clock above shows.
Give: 7:05:47
